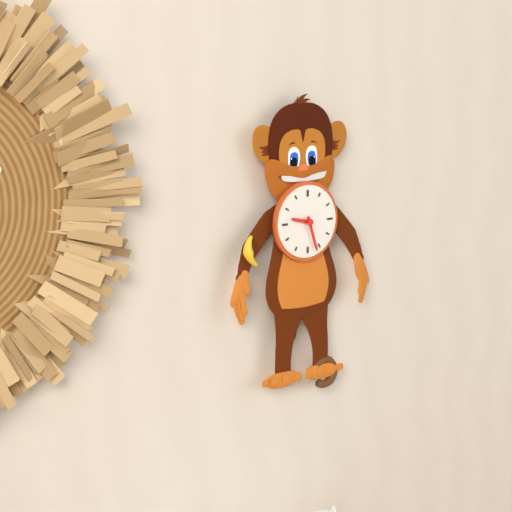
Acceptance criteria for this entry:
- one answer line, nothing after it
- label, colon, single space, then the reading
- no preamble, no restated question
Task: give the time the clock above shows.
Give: 9:27
